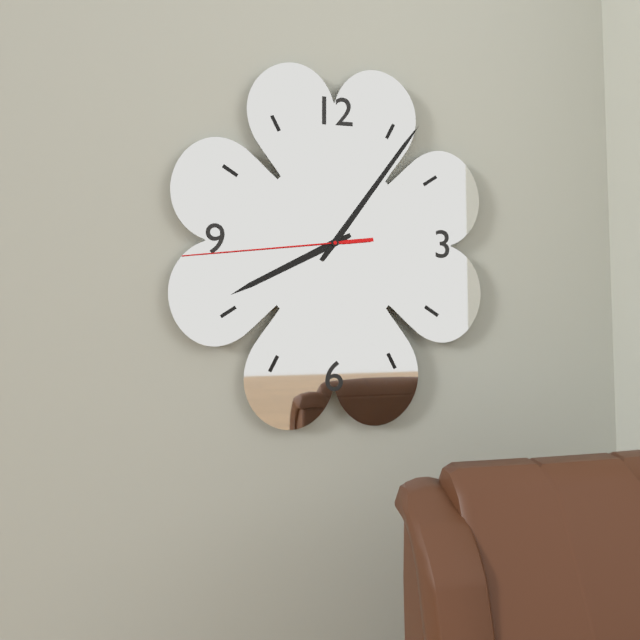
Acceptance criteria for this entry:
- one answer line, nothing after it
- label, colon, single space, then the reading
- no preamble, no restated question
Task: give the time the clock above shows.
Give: 8:06:44
